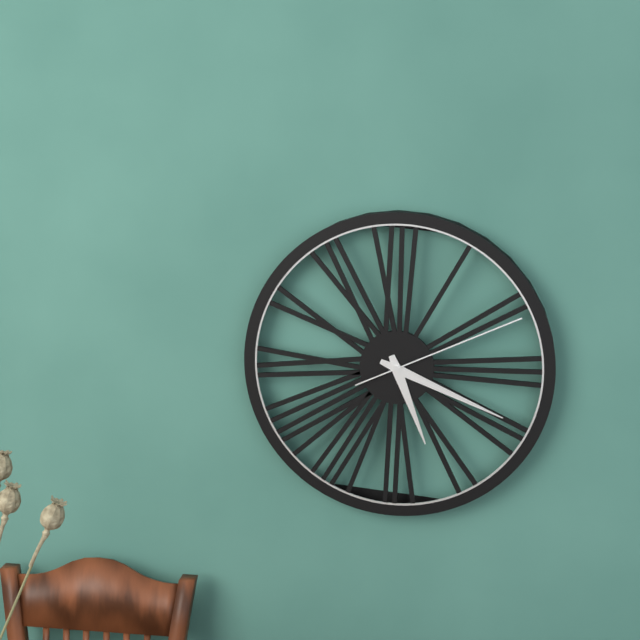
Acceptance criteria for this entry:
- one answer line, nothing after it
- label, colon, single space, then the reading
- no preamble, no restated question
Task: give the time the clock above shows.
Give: 5:19:11
